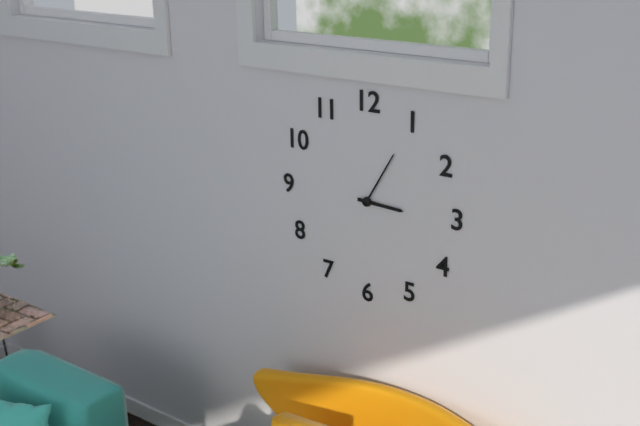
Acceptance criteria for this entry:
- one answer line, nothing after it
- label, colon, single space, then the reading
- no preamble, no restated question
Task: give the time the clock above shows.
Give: 3:05
